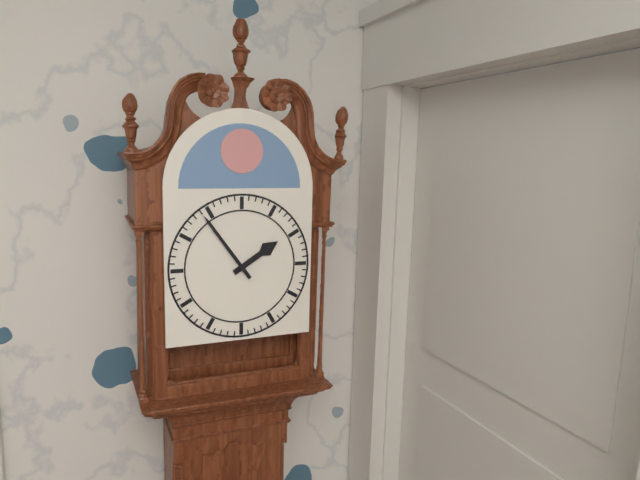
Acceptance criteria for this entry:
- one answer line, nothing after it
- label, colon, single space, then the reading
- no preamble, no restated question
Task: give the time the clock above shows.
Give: 1:54
